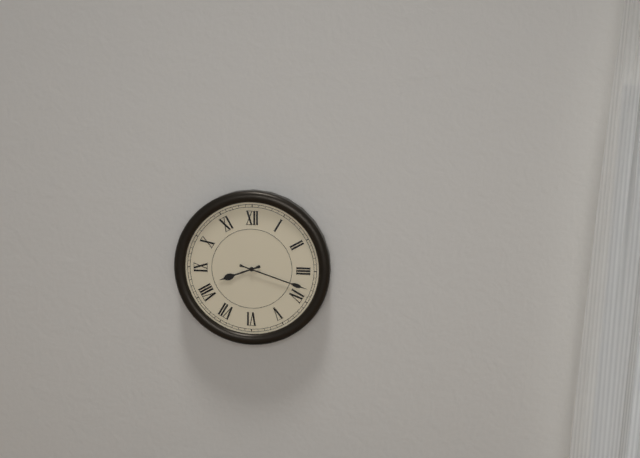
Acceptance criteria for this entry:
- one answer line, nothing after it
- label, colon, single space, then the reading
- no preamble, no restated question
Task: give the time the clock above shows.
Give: 8:18
